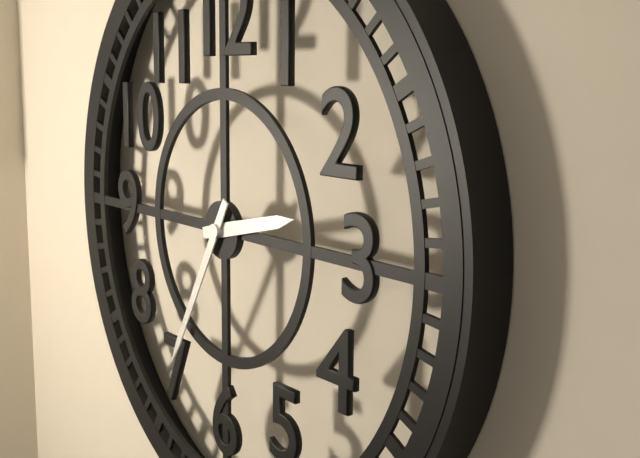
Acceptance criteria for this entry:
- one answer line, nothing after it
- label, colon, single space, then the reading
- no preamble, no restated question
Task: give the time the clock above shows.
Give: 2:35
